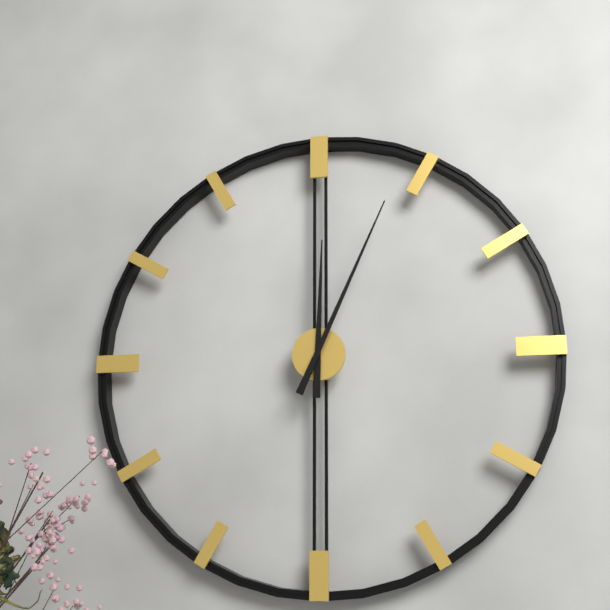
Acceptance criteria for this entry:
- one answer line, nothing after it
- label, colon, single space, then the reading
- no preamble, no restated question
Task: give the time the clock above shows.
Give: 12:04
